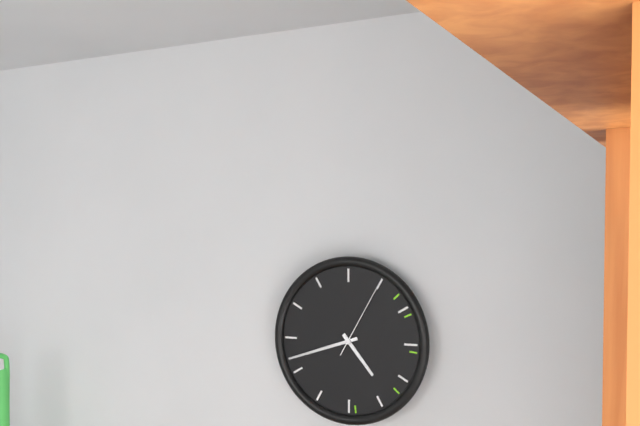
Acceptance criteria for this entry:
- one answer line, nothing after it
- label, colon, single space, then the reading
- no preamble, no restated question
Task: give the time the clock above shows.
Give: 4:42:05
